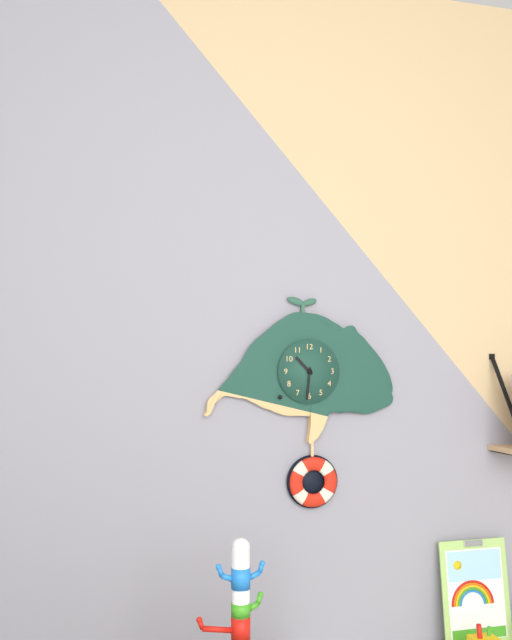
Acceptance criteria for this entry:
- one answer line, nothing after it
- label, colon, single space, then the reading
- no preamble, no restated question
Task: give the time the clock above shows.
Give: 10:31
